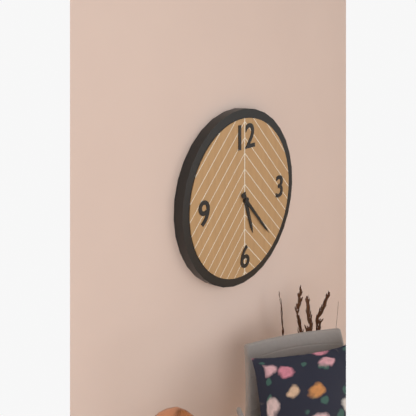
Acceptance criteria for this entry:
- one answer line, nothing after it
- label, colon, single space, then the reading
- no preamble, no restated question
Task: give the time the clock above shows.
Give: 5:23
